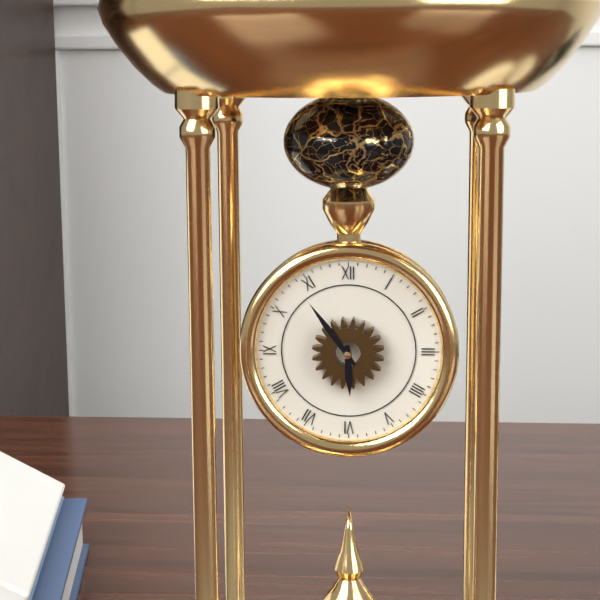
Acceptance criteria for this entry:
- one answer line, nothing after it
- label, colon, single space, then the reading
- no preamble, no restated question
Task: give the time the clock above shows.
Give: 5:54
